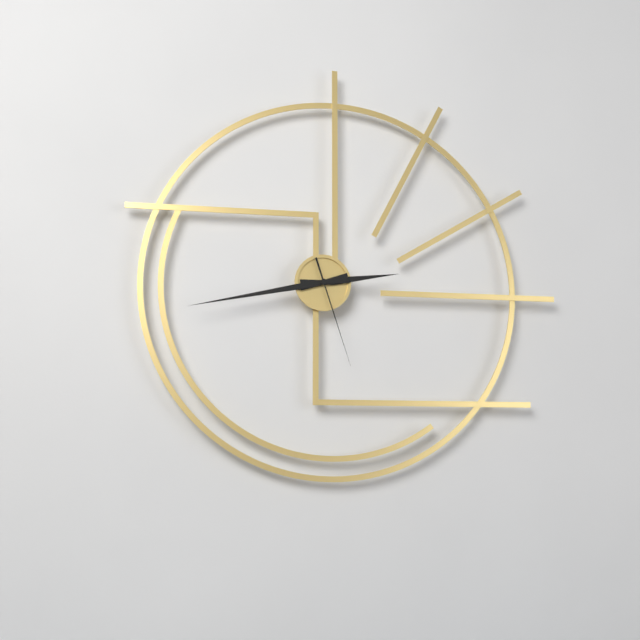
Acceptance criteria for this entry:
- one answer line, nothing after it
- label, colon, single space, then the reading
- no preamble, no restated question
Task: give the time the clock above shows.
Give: 2:43:27
